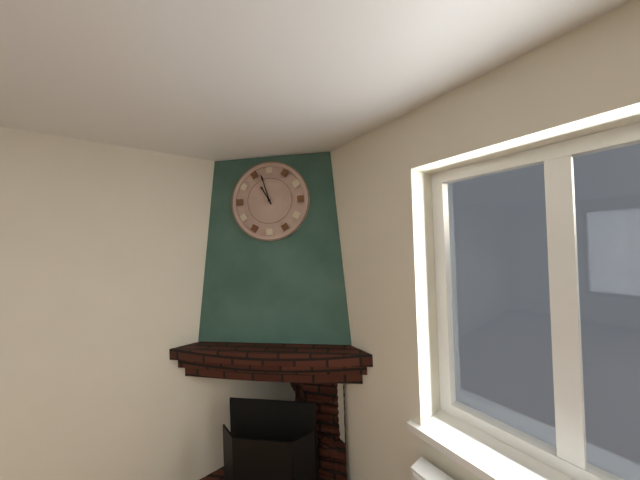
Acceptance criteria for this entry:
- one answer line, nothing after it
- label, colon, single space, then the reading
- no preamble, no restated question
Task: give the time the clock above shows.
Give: 10:57
